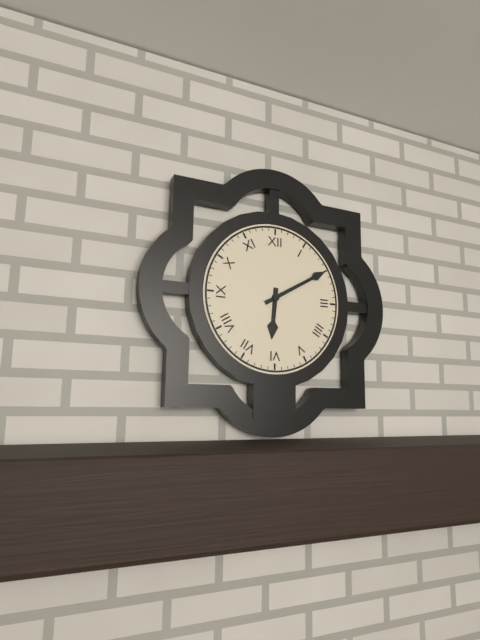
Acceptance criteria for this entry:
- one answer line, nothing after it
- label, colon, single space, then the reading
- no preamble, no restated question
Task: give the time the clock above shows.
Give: 6:10
